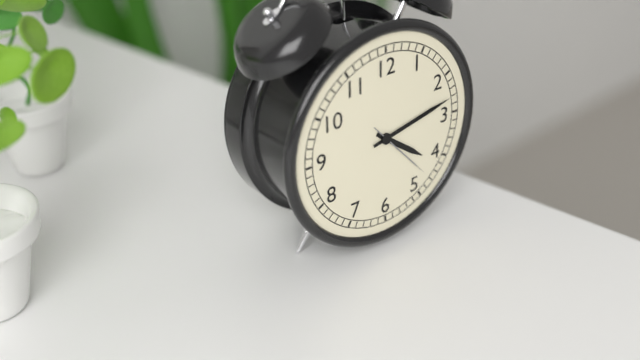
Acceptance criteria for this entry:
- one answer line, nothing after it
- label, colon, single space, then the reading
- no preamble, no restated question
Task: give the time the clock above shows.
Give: 4:13:23
